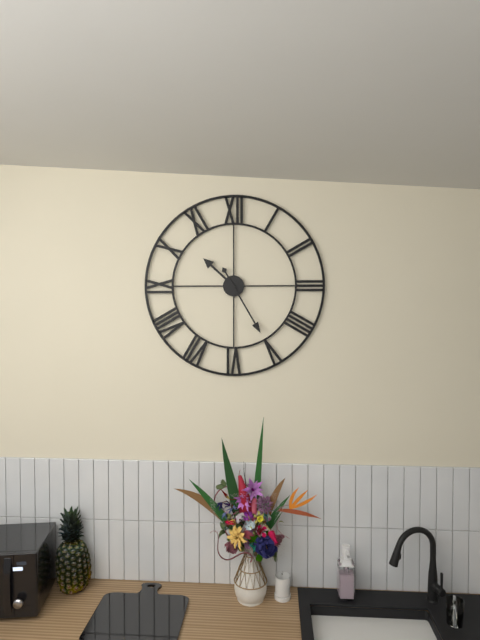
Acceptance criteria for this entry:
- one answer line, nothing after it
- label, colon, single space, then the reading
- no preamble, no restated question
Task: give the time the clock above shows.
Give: 10:25
